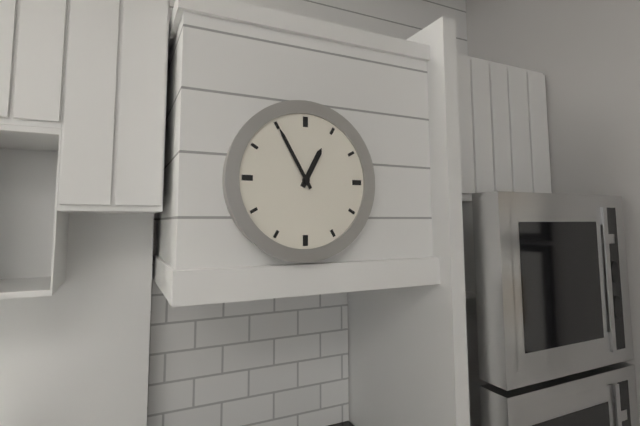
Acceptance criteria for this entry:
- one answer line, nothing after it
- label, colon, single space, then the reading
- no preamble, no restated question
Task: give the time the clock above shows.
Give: 12:55
